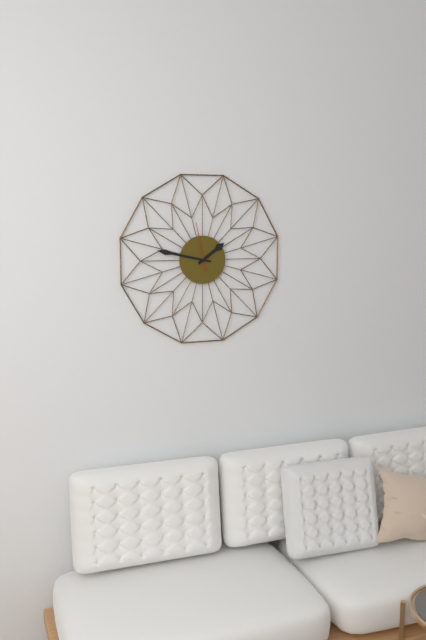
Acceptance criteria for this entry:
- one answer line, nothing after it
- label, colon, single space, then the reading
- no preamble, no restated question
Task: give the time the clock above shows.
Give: 1:47
